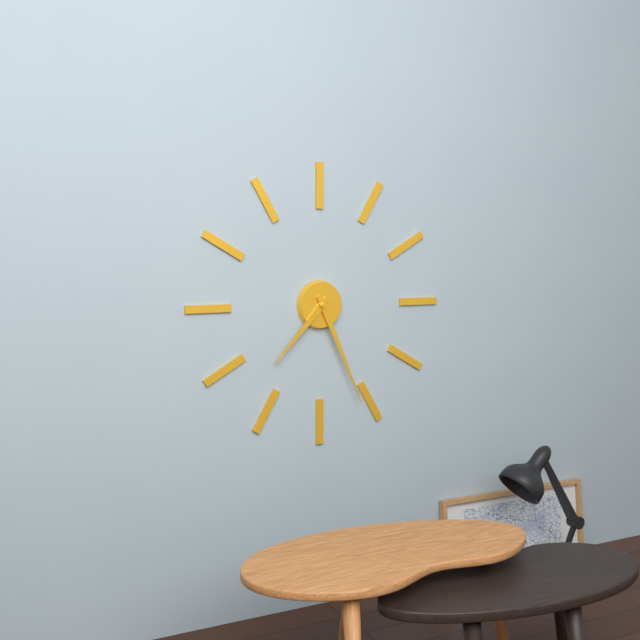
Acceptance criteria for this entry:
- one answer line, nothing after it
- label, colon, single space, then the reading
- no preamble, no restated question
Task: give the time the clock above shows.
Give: 7:26
